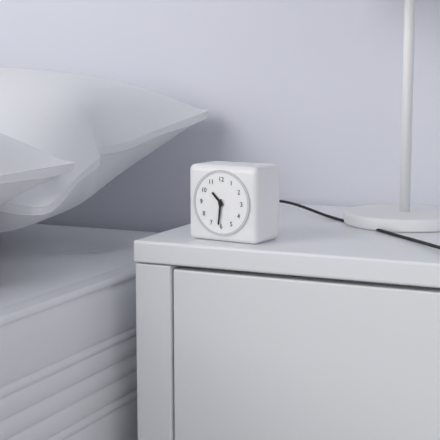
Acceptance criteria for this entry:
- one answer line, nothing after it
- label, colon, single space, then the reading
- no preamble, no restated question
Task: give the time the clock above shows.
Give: 10:31
